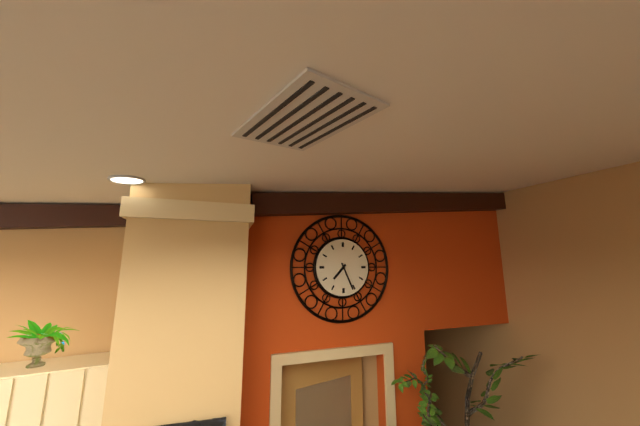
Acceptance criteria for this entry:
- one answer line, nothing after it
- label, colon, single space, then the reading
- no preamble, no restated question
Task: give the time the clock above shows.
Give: 7:26
